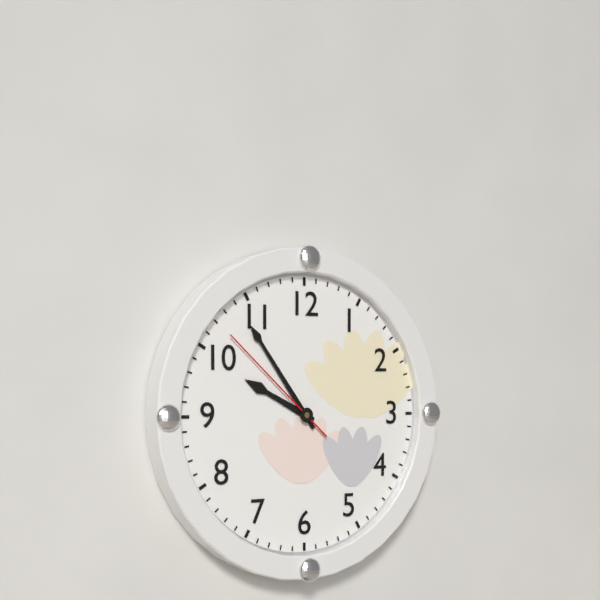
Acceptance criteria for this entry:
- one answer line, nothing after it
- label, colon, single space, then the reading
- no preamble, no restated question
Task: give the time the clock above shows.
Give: 9:54:52
